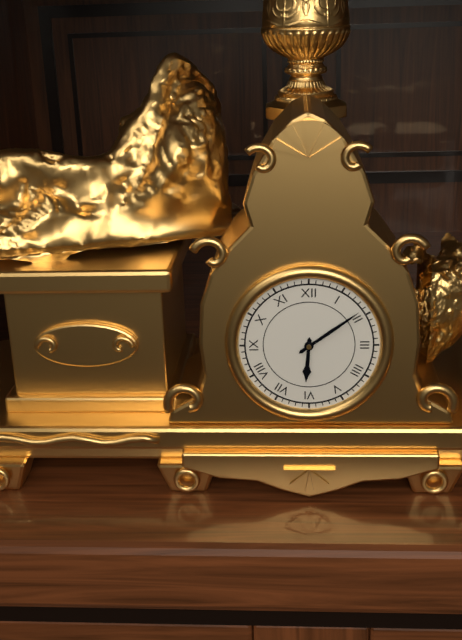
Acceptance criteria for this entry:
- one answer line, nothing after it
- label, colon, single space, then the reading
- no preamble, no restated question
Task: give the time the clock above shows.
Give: 6:09
